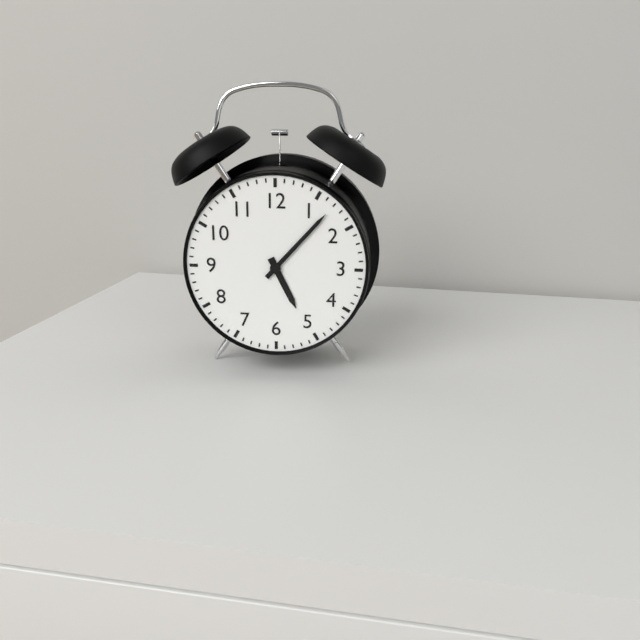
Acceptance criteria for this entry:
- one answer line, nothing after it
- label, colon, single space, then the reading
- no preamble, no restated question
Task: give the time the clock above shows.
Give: 5:07
